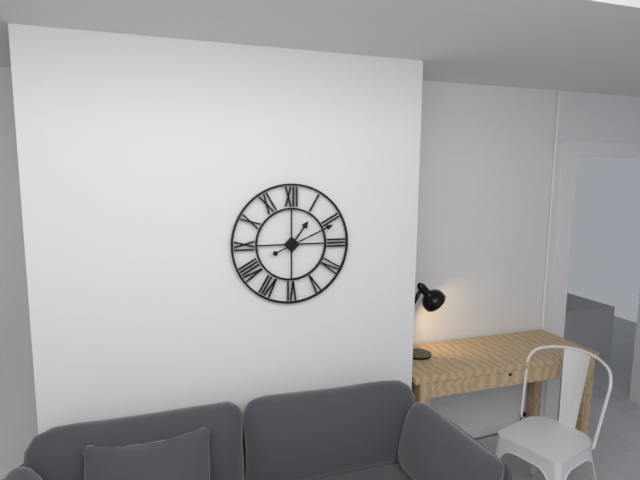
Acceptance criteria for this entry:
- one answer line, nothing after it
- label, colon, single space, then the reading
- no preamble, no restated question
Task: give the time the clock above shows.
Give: 1:11
